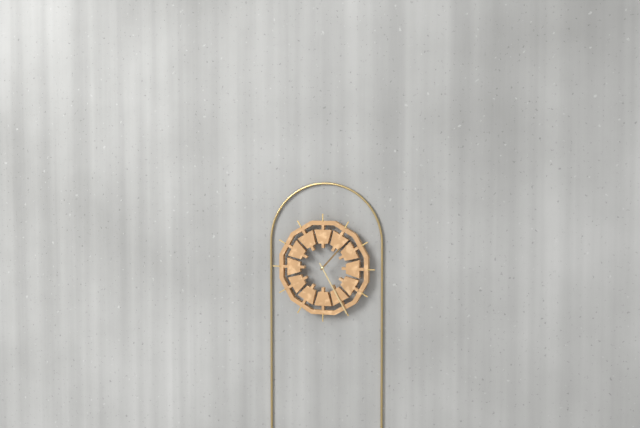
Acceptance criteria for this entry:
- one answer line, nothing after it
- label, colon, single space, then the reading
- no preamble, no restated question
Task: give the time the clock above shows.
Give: 1:25
